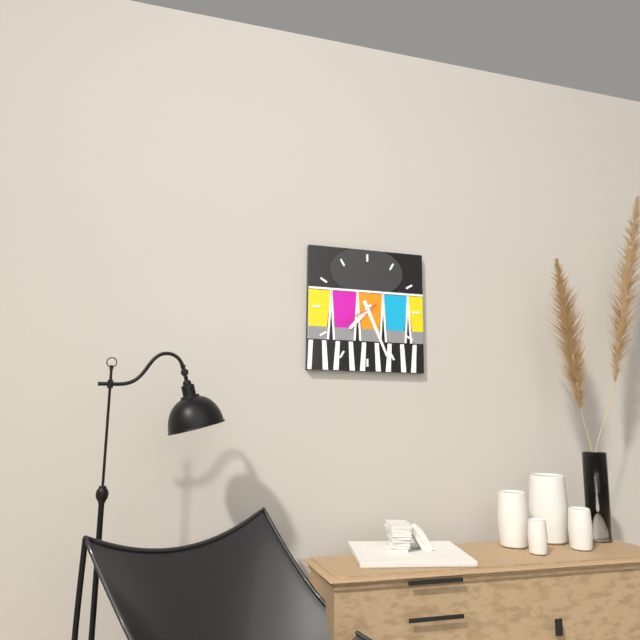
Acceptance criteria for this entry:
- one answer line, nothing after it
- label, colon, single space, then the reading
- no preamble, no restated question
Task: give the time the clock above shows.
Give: 7:26
